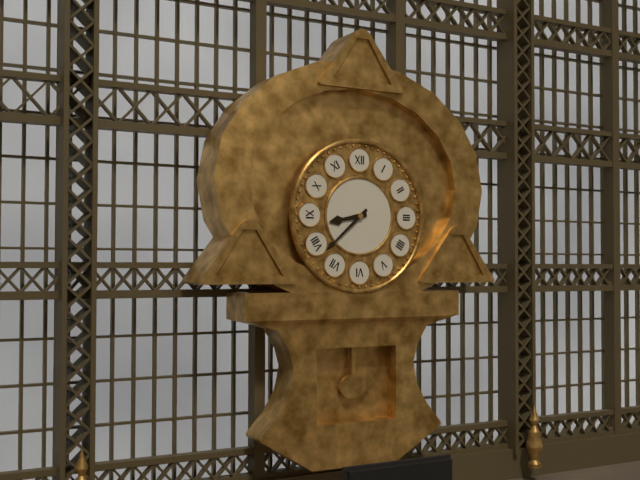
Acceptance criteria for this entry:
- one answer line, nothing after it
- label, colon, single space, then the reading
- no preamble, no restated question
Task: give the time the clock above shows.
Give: 8:38
